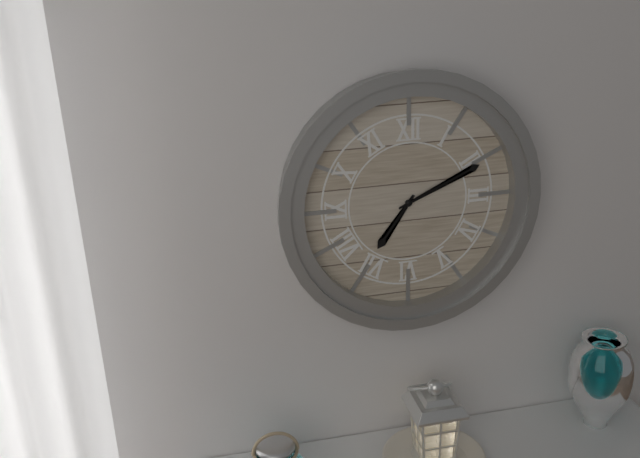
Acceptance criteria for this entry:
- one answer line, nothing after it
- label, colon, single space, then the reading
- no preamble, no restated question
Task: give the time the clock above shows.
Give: 7:11
